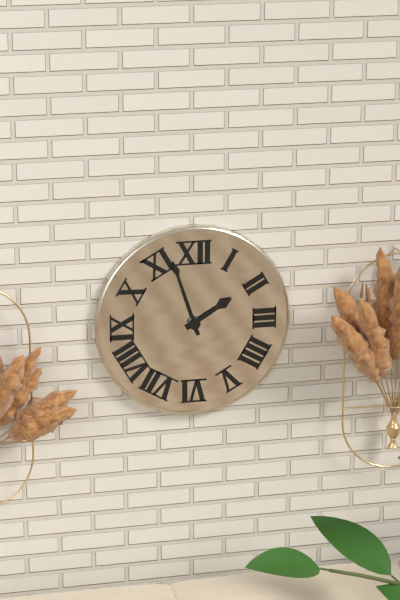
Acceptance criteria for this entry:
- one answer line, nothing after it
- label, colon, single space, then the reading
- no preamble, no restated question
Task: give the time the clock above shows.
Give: 1:57
